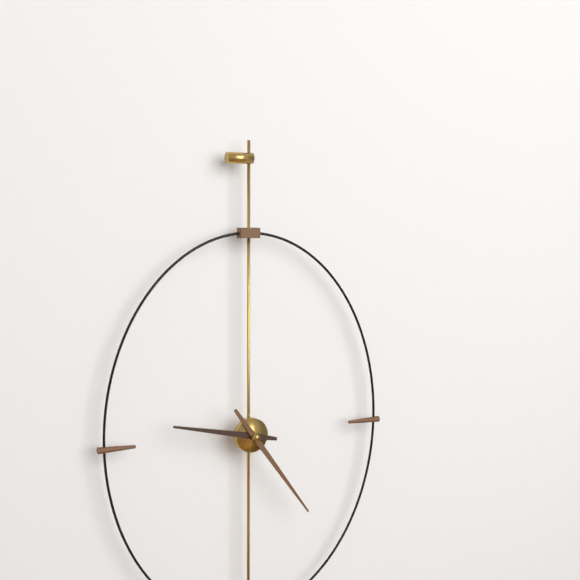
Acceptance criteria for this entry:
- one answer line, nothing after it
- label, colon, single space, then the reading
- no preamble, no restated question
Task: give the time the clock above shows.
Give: 9:24
